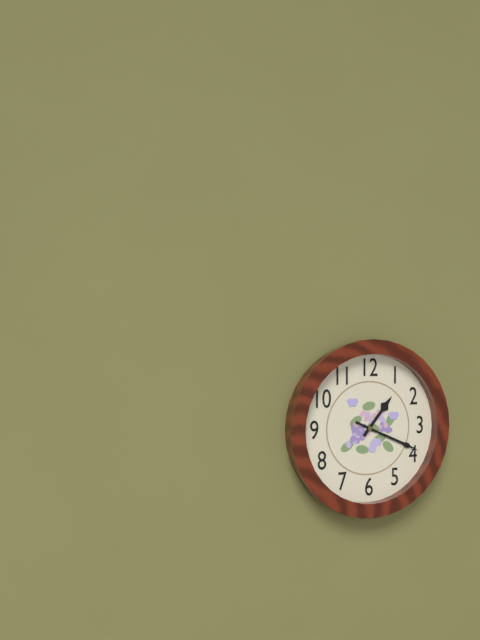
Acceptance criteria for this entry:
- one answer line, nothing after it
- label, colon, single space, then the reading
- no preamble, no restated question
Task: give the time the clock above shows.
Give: 1:19
